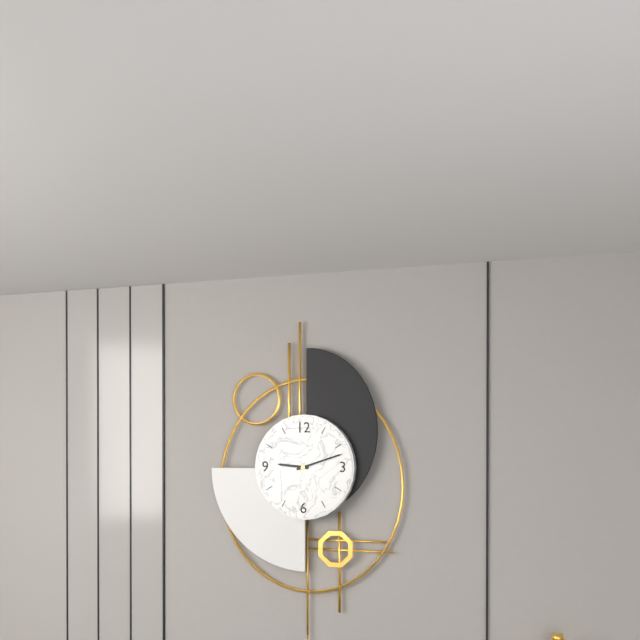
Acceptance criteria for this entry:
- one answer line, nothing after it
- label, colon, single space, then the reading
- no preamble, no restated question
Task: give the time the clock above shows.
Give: 9:12
